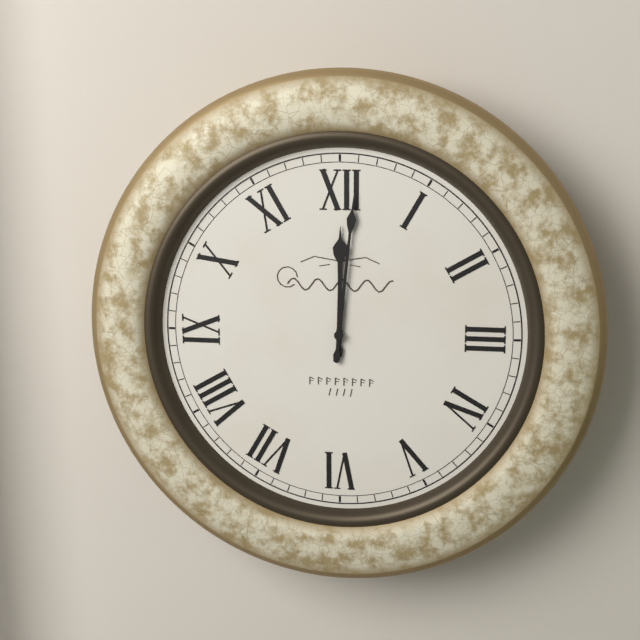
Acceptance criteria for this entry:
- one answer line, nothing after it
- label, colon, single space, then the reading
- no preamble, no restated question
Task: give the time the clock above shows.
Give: 12:01
